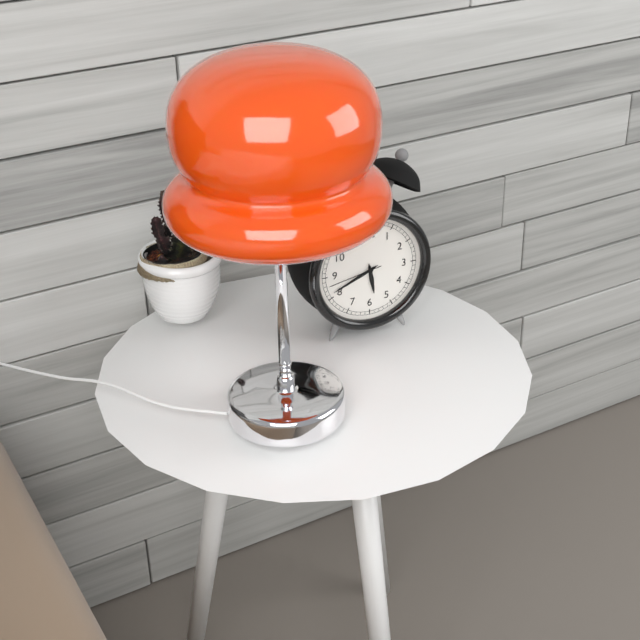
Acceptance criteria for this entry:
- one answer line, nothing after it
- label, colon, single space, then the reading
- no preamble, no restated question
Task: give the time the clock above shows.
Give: 5:41:43
